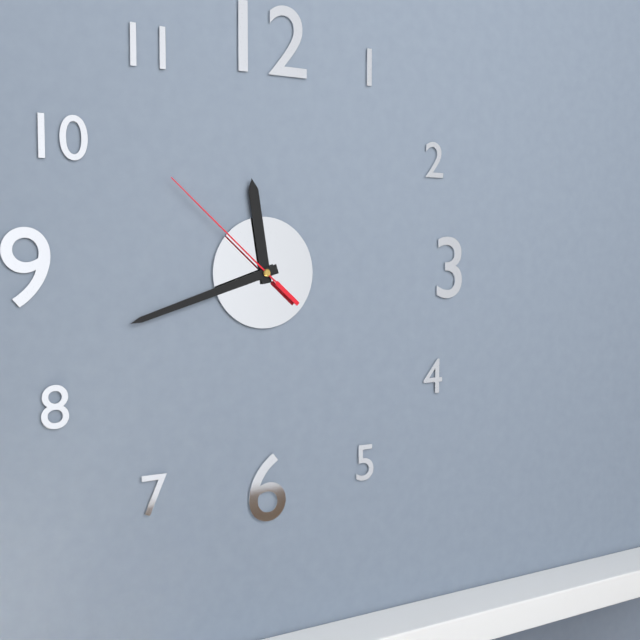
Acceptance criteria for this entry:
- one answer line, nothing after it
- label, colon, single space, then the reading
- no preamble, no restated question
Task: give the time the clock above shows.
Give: 11:42:52
